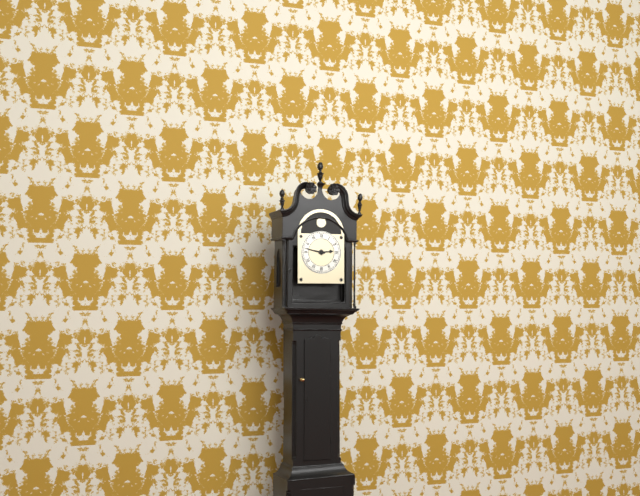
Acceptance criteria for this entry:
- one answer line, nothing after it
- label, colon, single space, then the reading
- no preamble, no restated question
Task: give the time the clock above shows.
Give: 2:47
